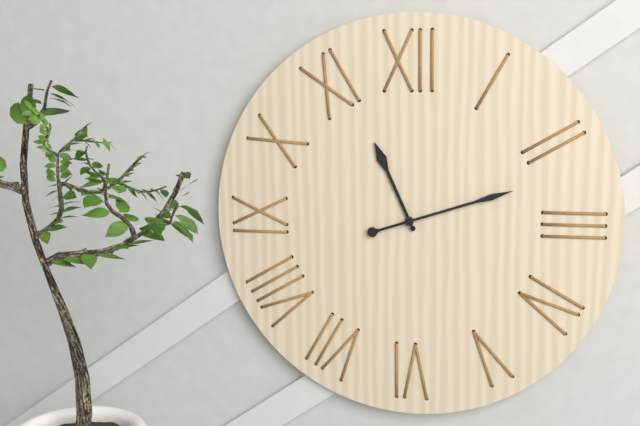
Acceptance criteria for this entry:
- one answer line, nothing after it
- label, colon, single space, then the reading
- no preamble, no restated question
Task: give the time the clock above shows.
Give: 11:12
